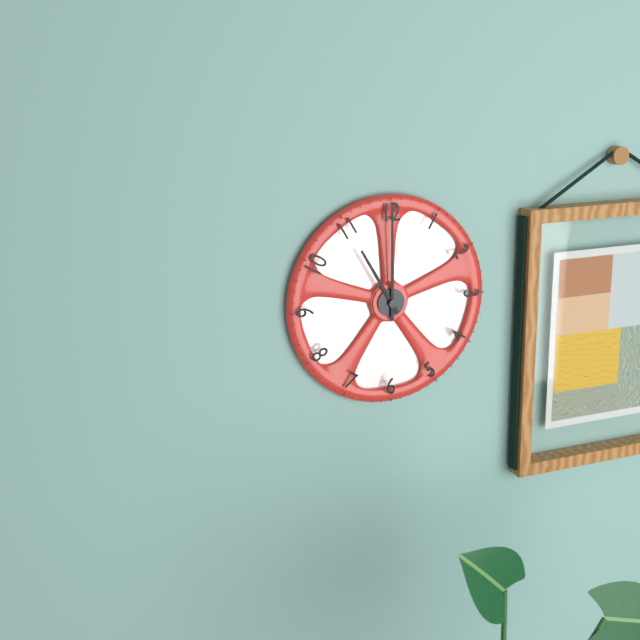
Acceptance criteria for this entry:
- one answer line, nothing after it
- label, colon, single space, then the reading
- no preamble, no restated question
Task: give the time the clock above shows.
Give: 11:00
